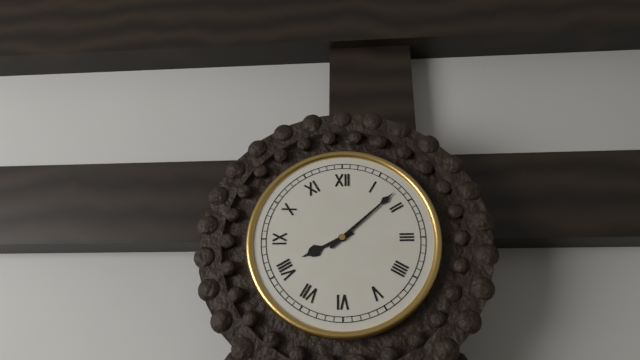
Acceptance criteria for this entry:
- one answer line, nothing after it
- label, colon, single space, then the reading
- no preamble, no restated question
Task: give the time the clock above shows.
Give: 8:08
